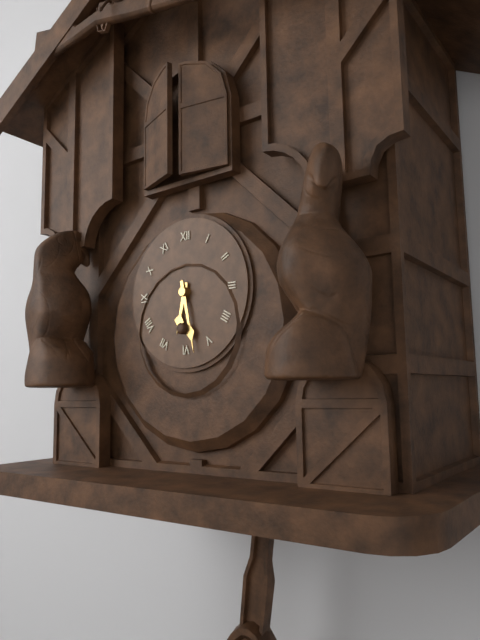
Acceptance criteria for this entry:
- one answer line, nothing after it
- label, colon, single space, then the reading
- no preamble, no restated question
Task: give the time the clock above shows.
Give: 6:28
